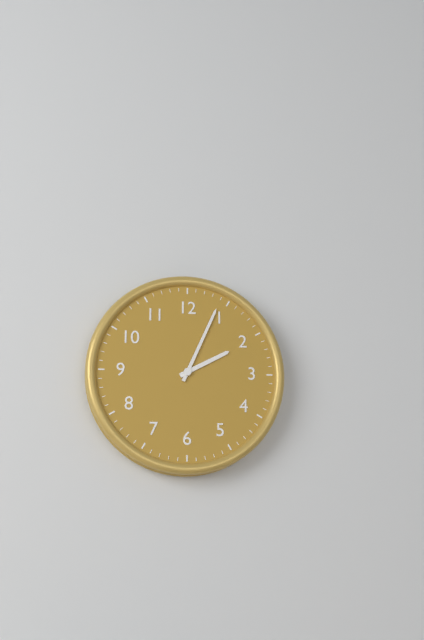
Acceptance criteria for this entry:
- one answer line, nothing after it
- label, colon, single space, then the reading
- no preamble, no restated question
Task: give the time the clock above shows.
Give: 2:04
